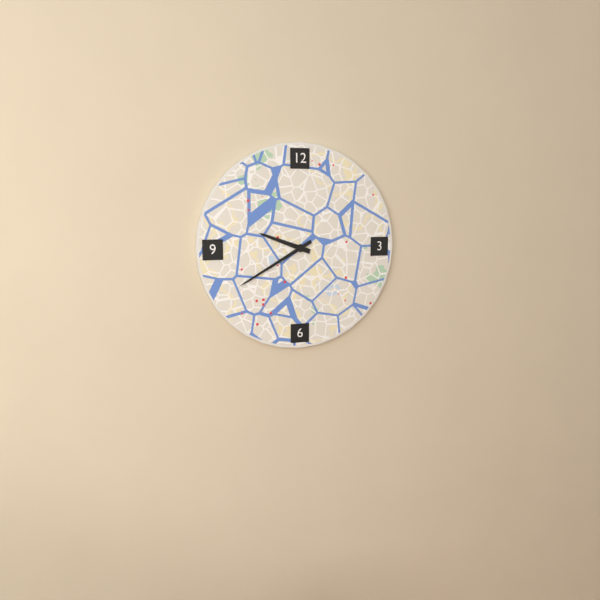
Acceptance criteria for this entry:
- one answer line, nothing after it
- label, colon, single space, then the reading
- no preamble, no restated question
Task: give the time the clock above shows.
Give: 9:40
